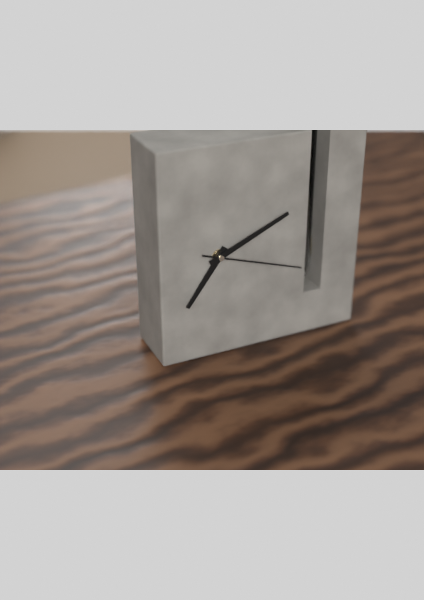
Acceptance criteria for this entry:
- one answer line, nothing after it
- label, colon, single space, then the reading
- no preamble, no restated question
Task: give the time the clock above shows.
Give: 7:11:18
